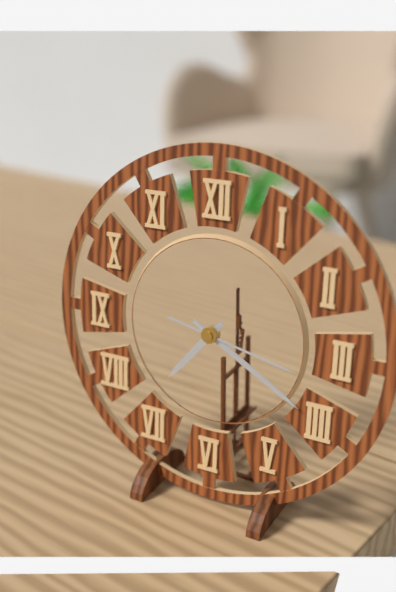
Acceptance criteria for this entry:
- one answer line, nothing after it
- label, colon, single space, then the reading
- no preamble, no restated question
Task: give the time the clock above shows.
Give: 7:20:17
